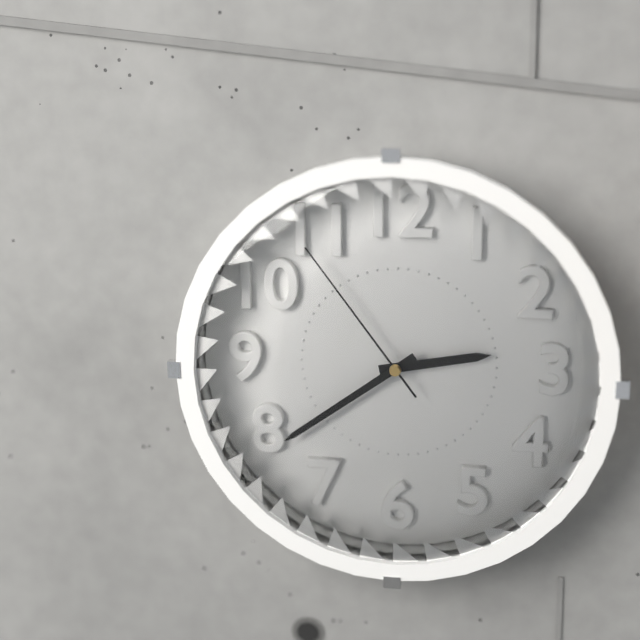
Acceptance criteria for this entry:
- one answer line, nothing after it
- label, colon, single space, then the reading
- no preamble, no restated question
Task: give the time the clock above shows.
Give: 2:39:54
